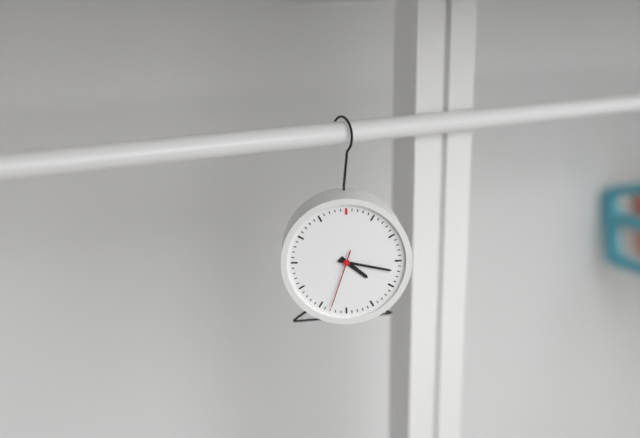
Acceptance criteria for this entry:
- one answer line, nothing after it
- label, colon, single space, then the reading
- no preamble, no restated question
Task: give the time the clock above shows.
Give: 4:17:33
